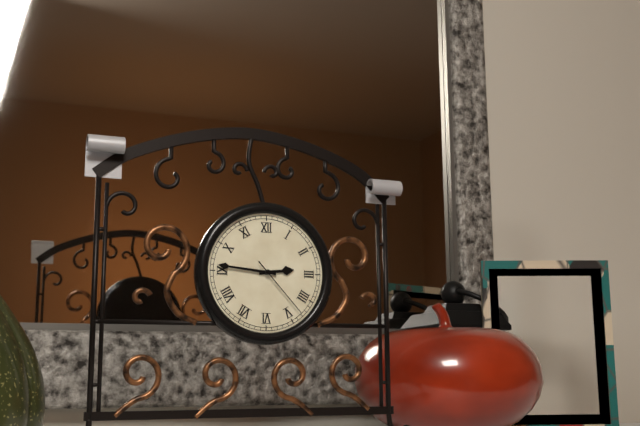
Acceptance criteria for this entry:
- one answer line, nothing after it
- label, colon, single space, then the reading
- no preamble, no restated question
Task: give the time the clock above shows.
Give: 2:46:23
